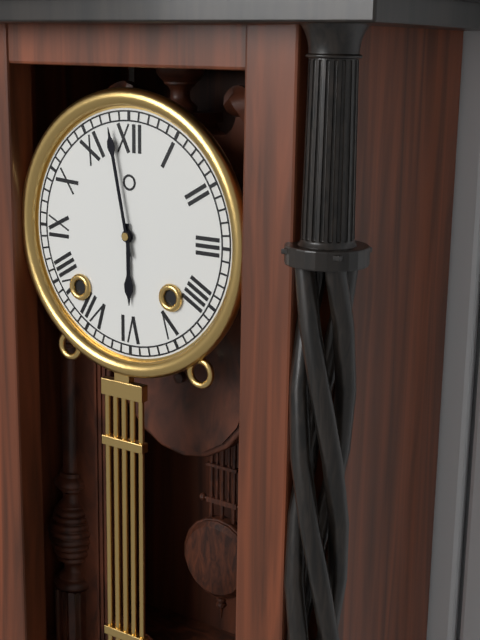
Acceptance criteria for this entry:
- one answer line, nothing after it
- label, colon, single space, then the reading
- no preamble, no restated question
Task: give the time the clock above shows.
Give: 5:58
